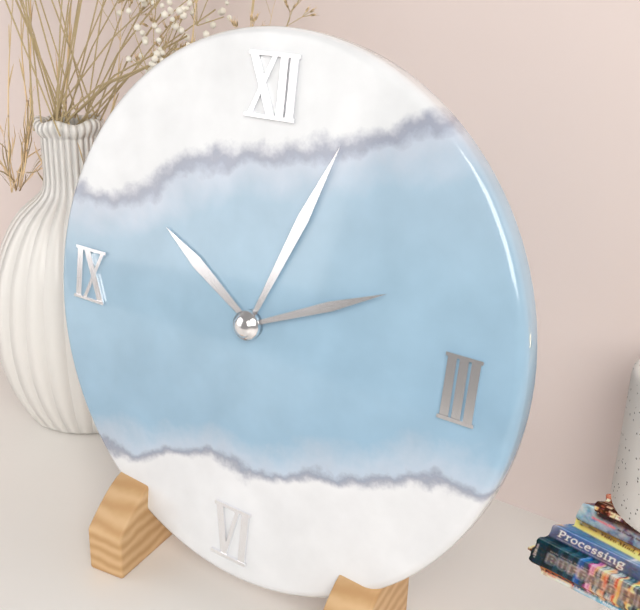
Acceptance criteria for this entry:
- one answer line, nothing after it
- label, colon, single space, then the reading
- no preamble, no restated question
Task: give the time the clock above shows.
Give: 10:04:11
